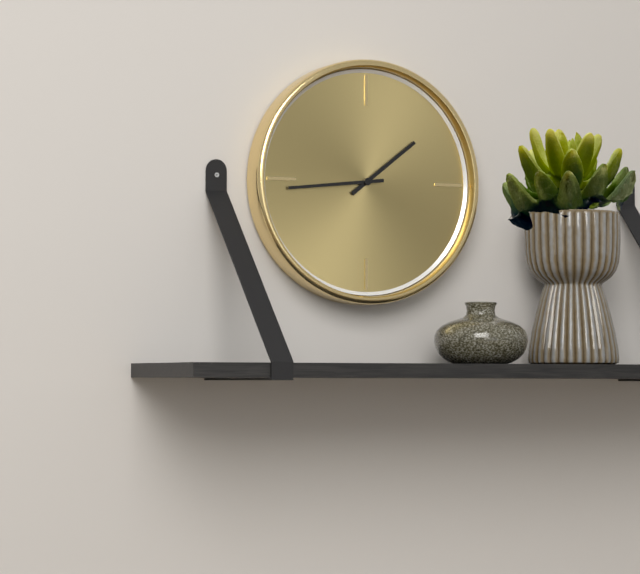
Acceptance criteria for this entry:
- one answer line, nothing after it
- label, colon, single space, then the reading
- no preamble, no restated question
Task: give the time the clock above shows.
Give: 1:44
